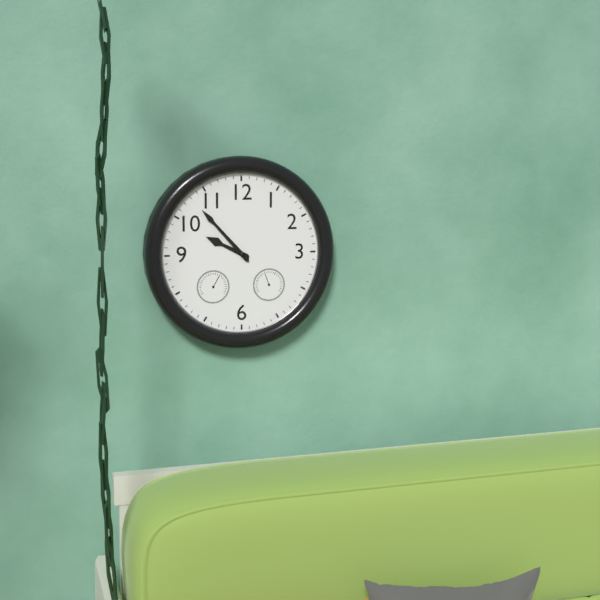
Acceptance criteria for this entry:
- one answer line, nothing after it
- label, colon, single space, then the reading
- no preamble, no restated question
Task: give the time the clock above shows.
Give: 9:53
